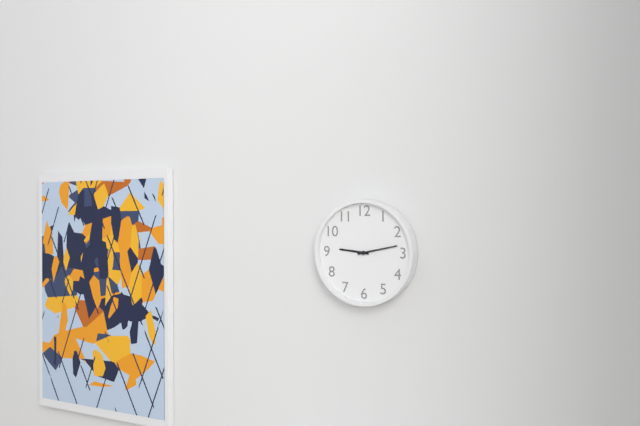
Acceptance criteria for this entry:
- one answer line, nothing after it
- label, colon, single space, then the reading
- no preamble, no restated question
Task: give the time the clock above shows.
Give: 9:13
